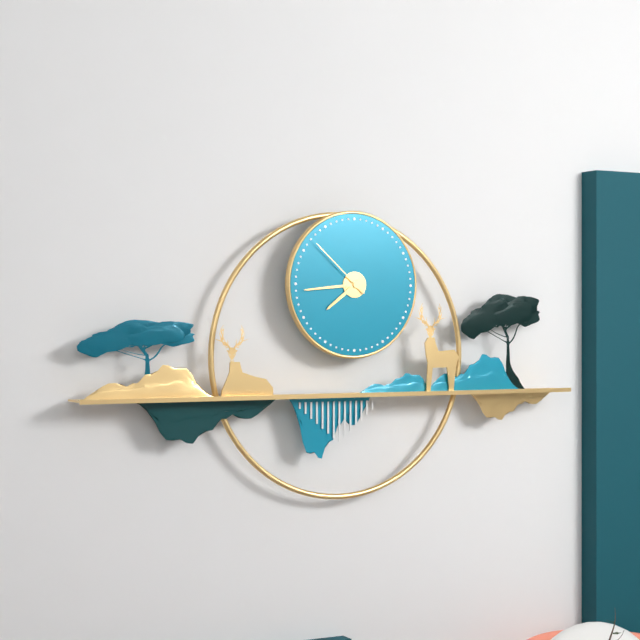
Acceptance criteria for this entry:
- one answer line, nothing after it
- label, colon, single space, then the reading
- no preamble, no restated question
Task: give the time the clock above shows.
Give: 7:44:52
